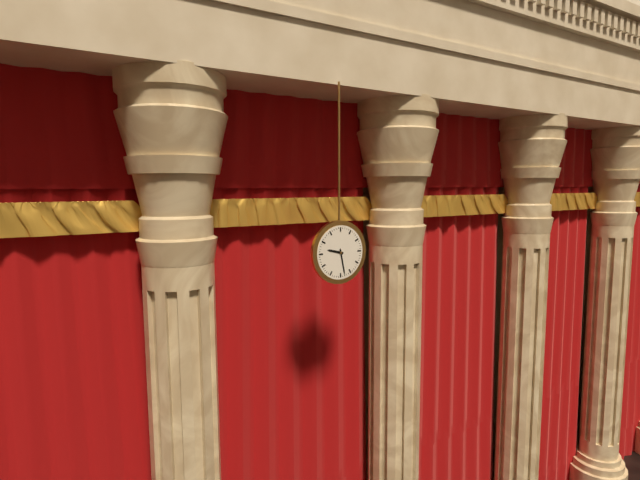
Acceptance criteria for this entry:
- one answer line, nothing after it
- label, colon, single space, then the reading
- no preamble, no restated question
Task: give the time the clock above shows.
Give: 9:28
